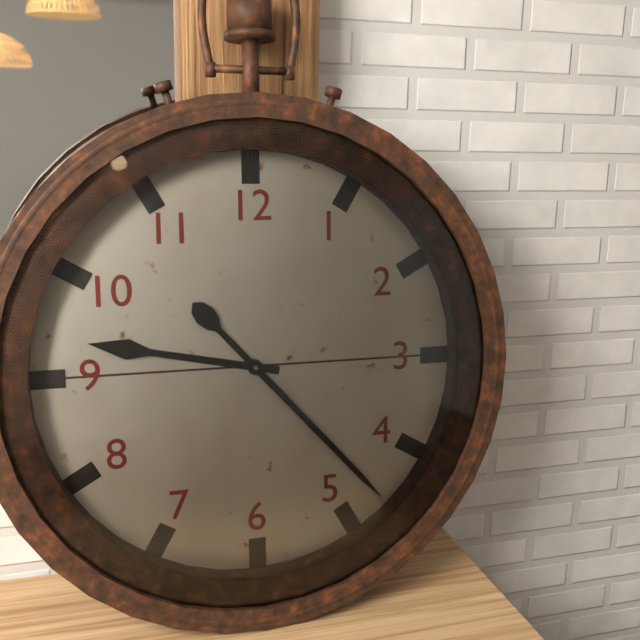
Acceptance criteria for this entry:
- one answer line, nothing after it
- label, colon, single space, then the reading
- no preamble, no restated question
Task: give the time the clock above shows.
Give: 9:23
